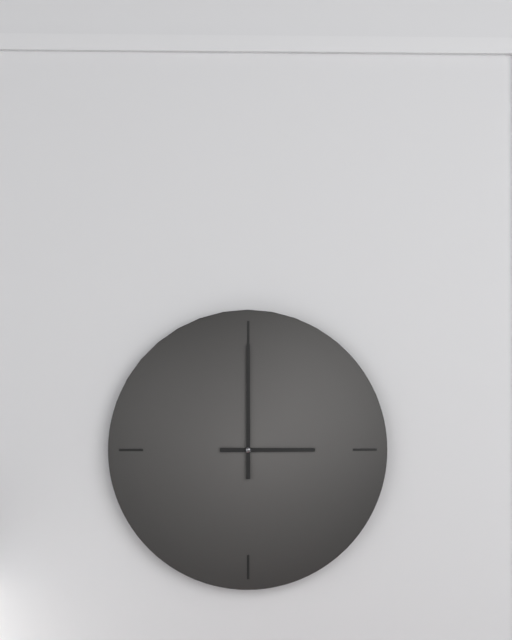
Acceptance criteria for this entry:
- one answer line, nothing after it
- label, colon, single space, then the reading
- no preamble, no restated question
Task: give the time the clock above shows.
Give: 3:00
